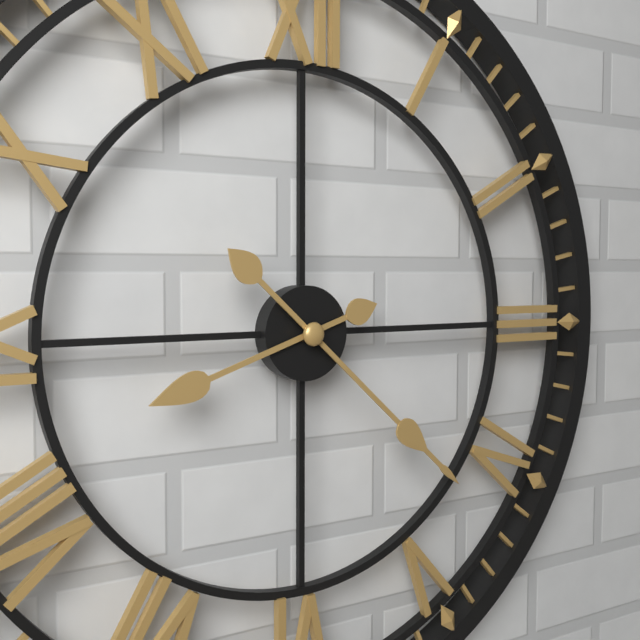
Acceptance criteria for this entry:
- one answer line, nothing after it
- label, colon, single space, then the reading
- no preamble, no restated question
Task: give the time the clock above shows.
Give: 8:22
